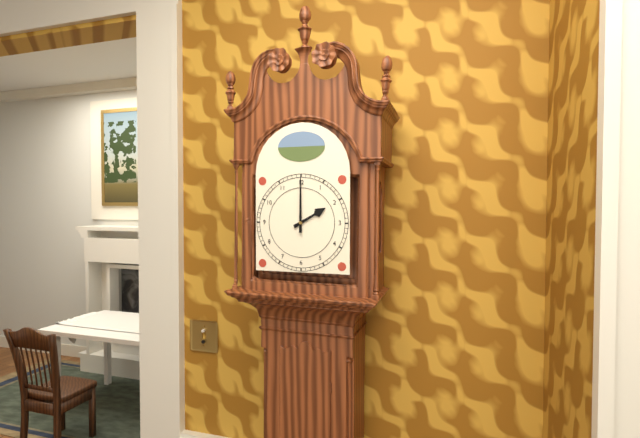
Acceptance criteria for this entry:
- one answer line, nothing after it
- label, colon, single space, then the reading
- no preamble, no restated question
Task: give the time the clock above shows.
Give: 2:00
